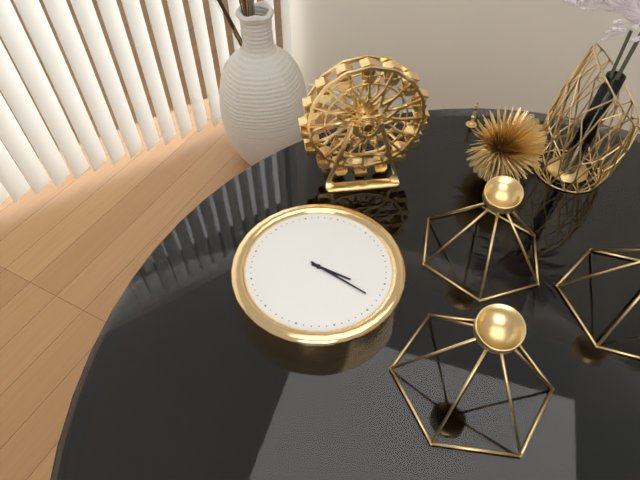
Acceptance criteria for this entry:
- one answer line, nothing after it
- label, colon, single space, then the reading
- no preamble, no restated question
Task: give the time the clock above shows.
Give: 3:18
